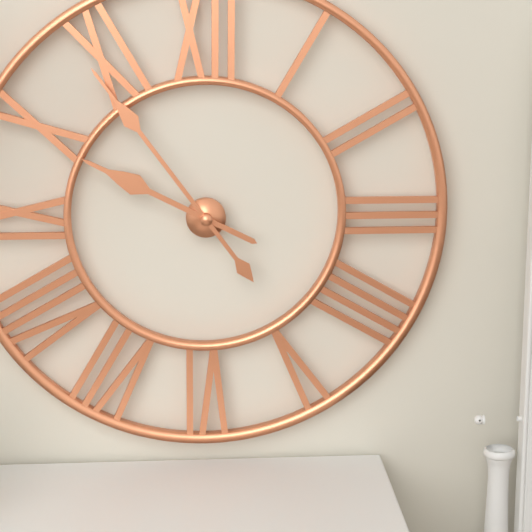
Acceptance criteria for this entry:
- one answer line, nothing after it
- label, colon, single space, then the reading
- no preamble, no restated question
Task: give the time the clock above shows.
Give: 9:54
